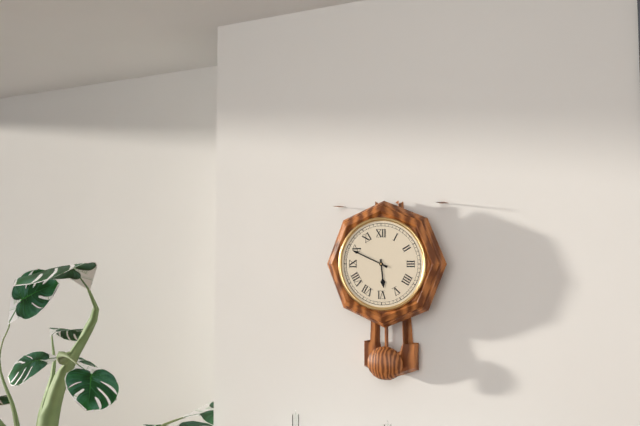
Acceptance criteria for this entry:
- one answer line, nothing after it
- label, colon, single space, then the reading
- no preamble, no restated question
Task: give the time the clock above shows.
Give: 5:49
